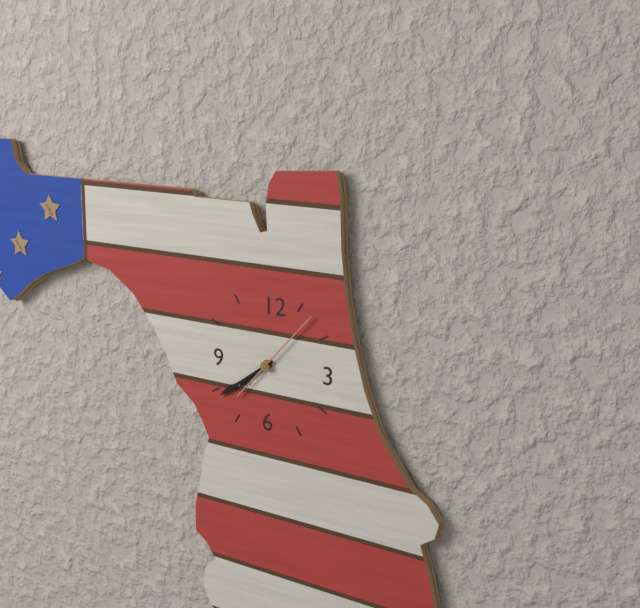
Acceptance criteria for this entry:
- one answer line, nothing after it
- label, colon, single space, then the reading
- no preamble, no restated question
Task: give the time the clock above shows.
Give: 7:39:07
